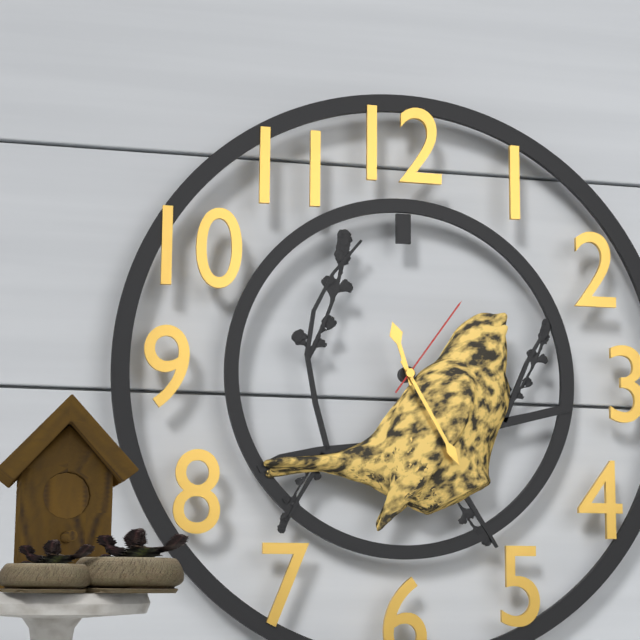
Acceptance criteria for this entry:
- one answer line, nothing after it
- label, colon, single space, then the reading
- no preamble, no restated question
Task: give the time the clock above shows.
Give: 11:25:06
